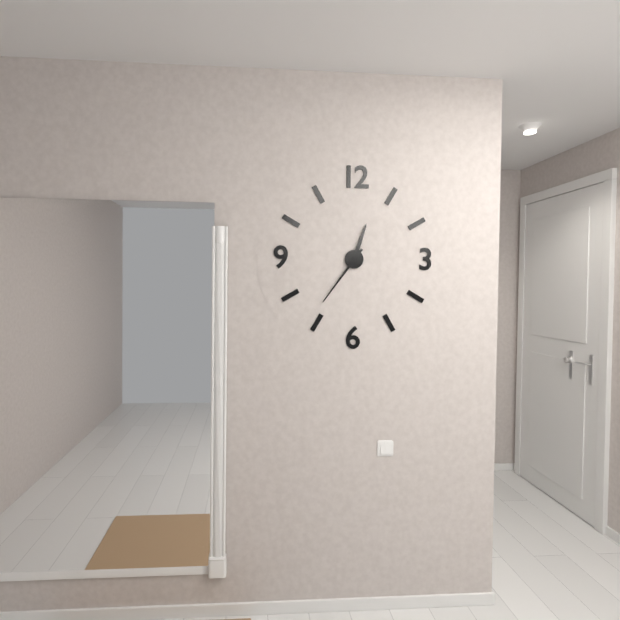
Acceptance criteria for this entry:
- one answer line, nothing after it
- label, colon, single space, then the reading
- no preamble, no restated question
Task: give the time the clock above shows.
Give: 12:36
